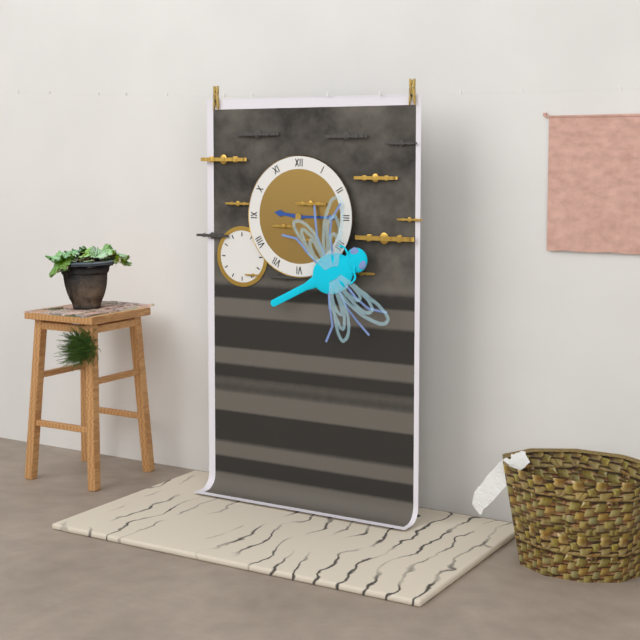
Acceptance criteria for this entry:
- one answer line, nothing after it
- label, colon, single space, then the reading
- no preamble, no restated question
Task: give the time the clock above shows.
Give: 9:15
